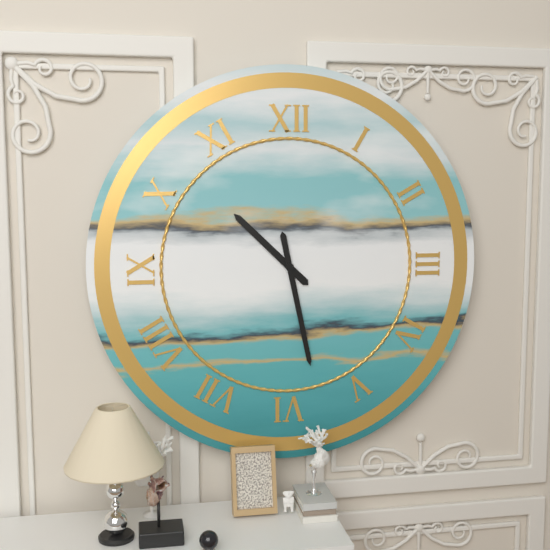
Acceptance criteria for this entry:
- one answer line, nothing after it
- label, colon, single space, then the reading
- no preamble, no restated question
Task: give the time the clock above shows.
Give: 10:28
